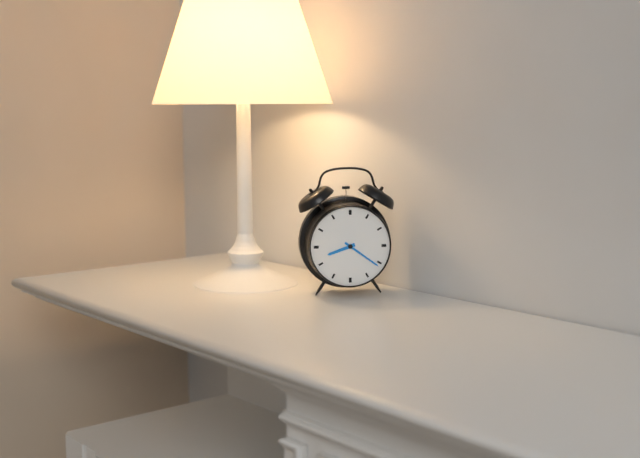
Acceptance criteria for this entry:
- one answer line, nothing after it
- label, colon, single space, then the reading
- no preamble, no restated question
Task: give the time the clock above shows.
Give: 8:21
